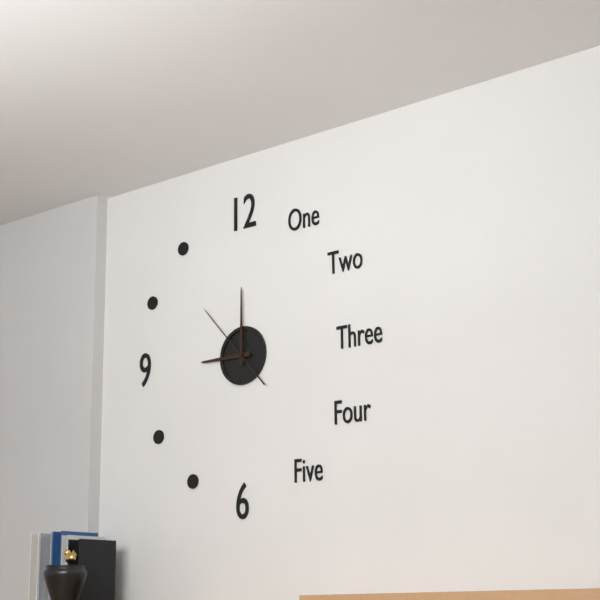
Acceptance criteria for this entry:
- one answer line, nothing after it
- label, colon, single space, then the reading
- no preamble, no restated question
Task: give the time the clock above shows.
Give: 9:00:53
